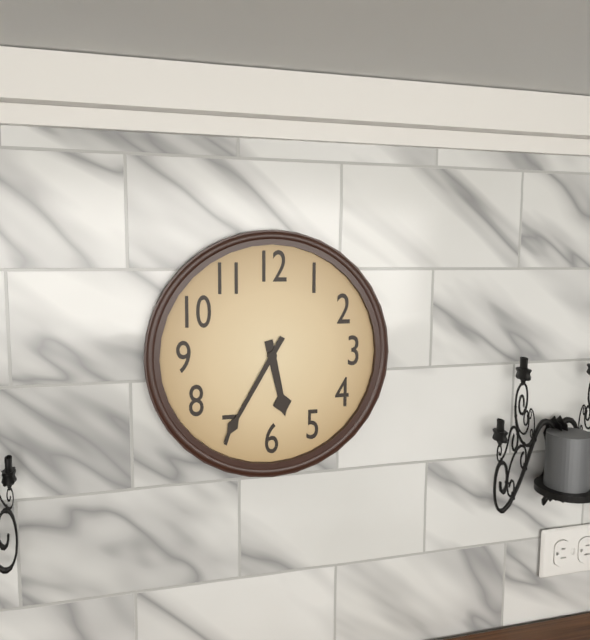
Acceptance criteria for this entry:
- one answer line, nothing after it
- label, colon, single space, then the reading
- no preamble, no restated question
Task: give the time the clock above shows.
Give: 5:35
